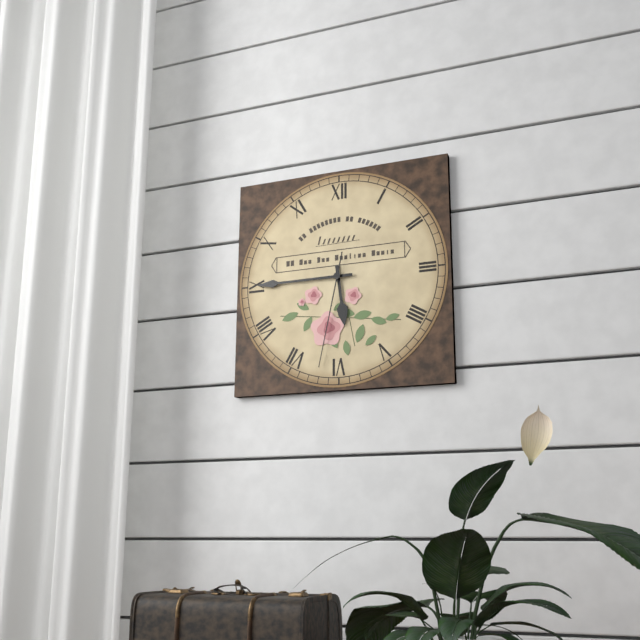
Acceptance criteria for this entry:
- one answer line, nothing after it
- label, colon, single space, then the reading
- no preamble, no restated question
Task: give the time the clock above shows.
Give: 5:45:32
